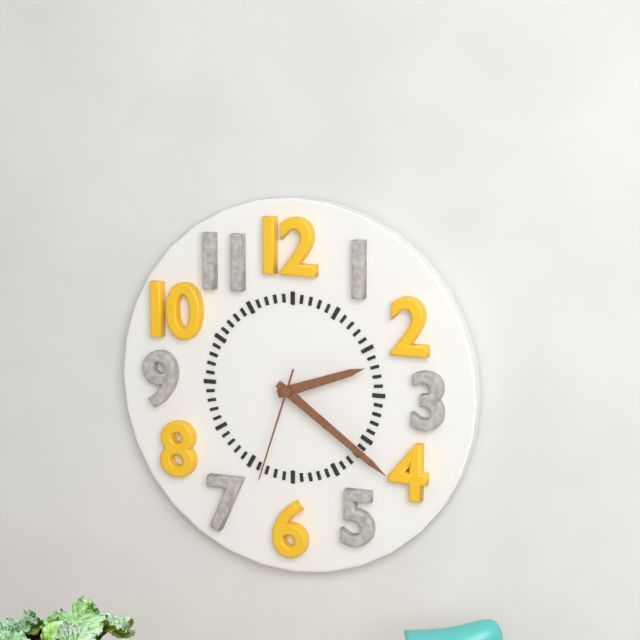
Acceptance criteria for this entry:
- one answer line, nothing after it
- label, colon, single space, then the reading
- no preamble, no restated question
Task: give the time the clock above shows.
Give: 2:21:33
